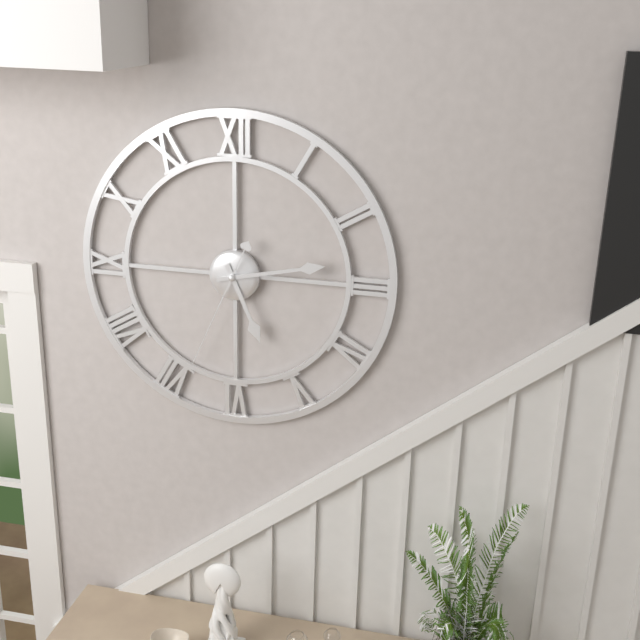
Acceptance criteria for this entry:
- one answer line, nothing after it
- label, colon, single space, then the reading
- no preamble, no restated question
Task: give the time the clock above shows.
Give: 5:13:34
